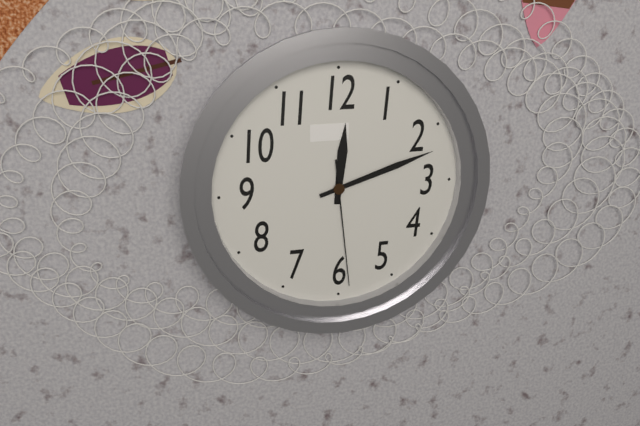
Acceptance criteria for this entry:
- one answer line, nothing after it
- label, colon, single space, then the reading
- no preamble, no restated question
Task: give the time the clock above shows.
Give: 12:12:29
